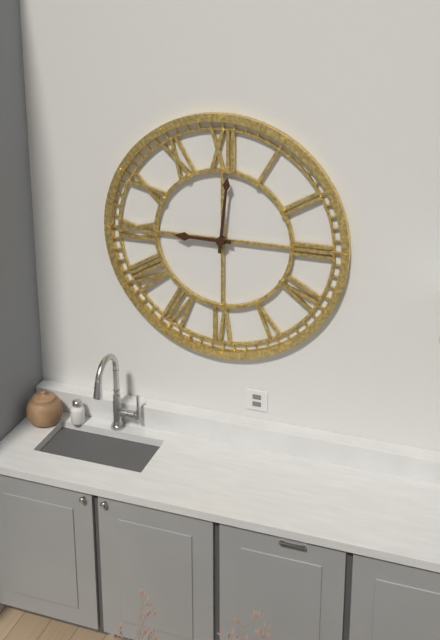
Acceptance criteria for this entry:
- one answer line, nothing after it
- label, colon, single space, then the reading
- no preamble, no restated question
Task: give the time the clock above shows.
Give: 9:01
